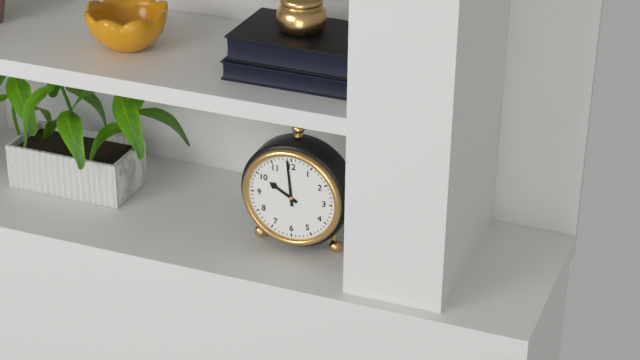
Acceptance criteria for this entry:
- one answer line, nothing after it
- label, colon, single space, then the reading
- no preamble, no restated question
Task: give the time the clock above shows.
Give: 9:59
